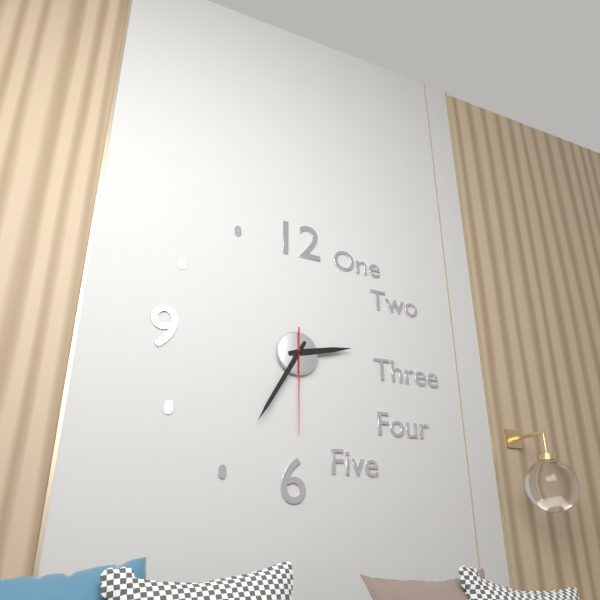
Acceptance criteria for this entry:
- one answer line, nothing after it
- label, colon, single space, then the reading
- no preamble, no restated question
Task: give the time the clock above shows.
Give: 2:35:30
